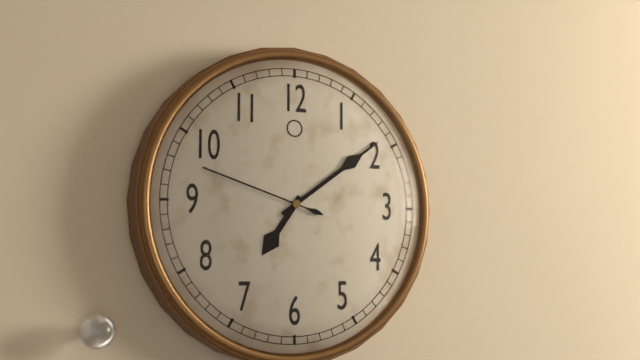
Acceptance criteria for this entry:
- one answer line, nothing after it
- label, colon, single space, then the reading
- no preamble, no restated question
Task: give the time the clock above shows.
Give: 7:09:48
